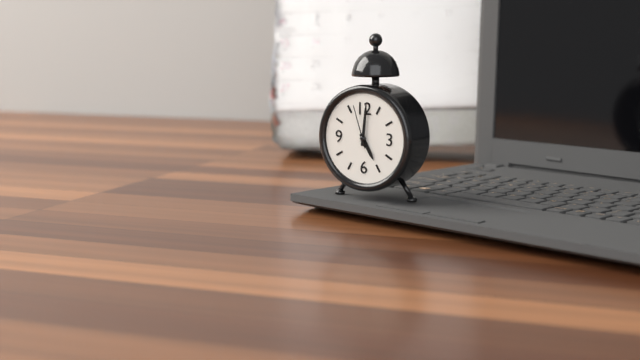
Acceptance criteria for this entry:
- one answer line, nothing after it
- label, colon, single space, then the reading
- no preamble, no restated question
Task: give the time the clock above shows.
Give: 5:01
